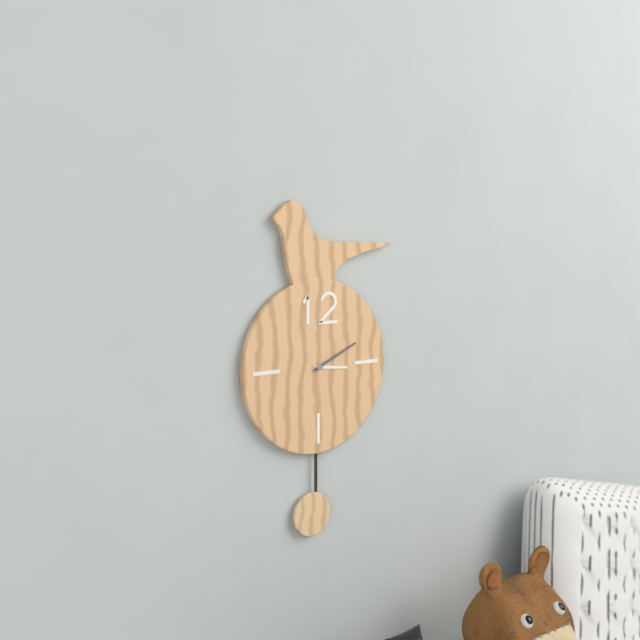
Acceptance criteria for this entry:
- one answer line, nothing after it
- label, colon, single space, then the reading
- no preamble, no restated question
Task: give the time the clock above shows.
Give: 3:11
